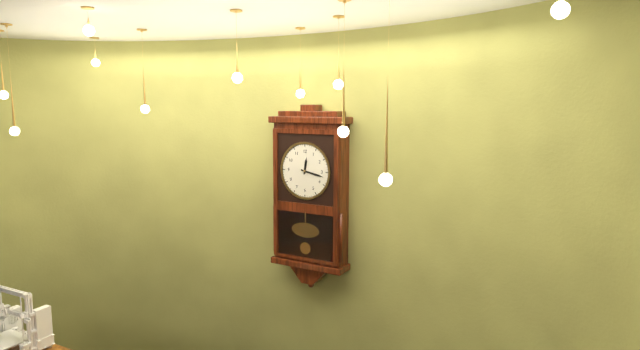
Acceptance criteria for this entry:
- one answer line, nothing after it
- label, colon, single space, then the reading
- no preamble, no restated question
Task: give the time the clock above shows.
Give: 12:17
